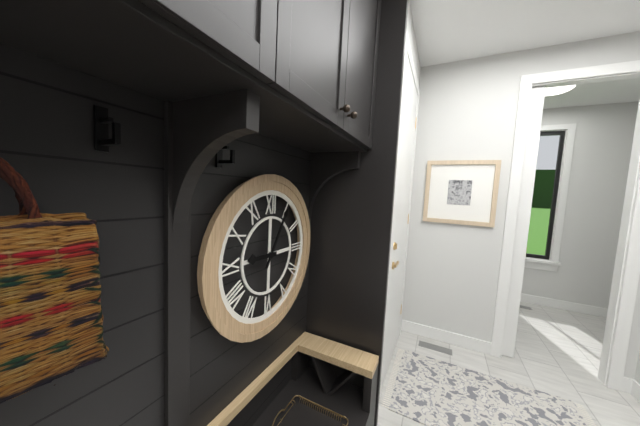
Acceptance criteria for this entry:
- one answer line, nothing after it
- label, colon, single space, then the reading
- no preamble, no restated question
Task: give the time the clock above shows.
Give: 9:05
